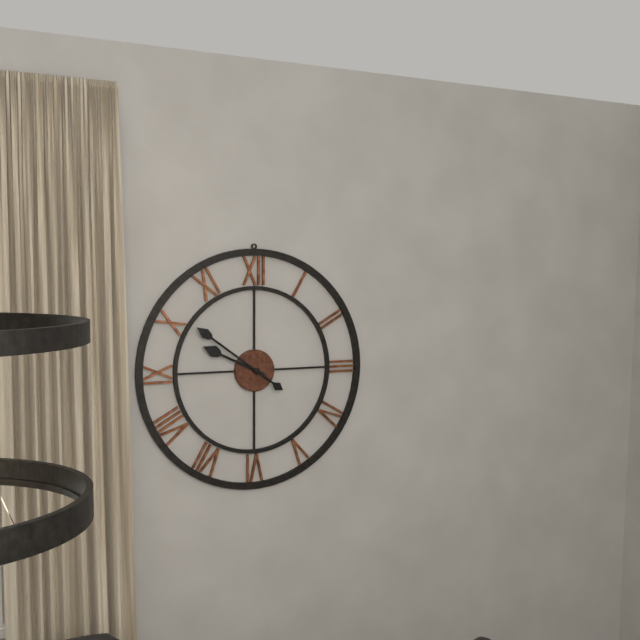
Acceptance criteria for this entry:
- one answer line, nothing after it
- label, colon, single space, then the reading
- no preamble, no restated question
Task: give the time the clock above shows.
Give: 9:51
